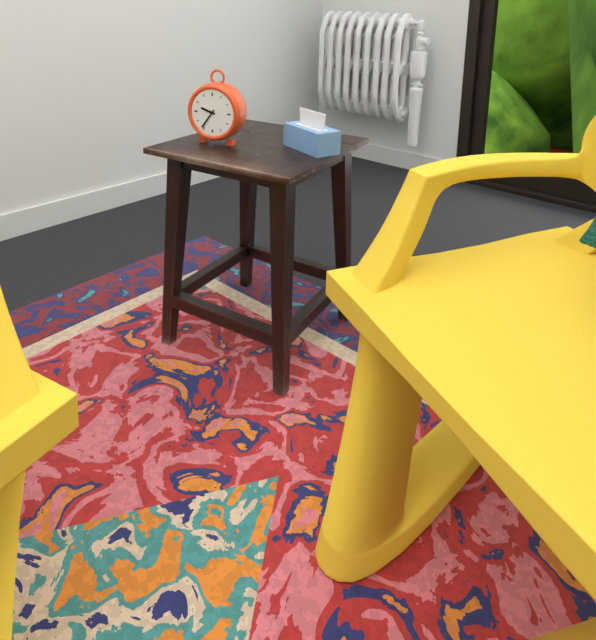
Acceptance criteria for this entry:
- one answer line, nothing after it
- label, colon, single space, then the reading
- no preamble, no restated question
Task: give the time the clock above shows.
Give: 9:36
